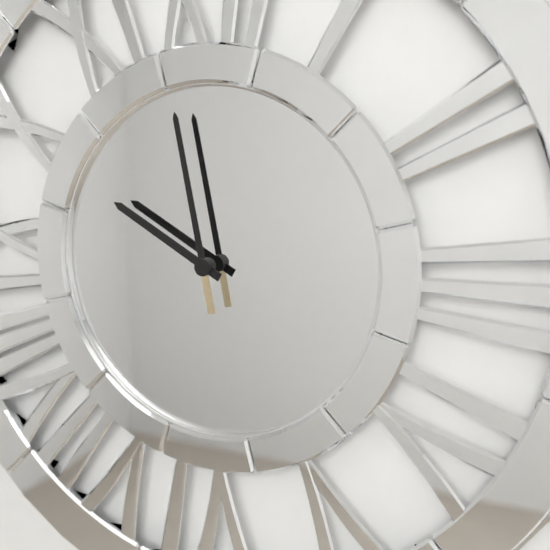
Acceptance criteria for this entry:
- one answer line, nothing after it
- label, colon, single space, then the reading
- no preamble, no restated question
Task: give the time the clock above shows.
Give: 9:58
